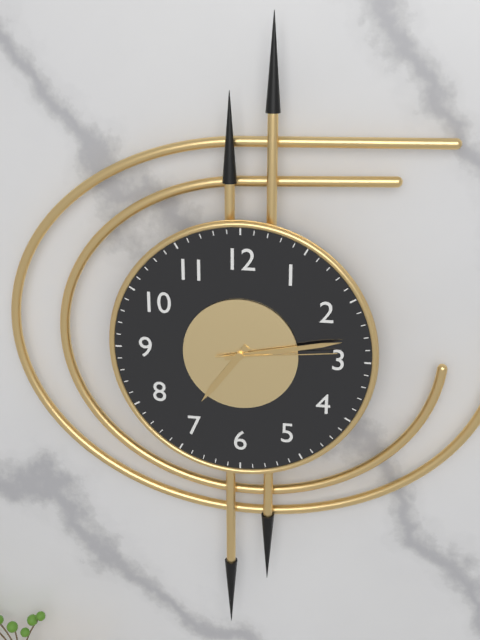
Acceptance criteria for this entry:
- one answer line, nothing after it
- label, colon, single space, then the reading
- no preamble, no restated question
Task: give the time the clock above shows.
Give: 7:13:14
